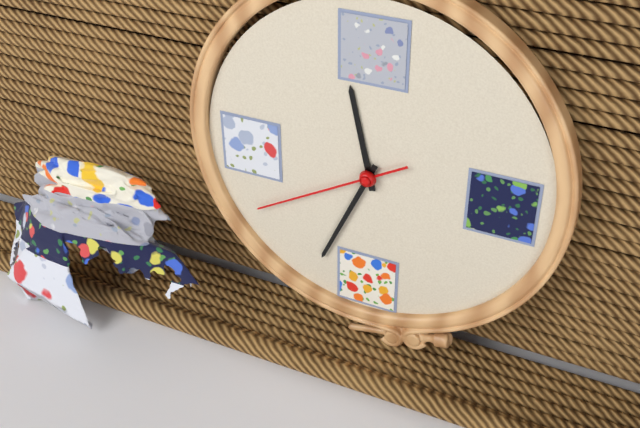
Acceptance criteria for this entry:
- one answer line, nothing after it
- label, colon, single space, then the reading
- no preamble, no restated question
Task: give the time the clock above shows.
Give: 11:34:40
